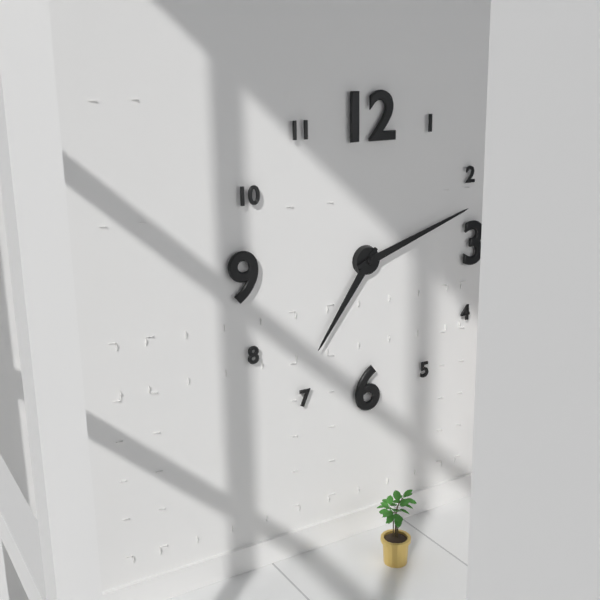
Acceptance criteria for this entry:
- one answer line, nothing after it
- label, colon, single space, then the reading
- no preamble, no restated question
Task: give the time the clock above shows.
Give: 7:12
